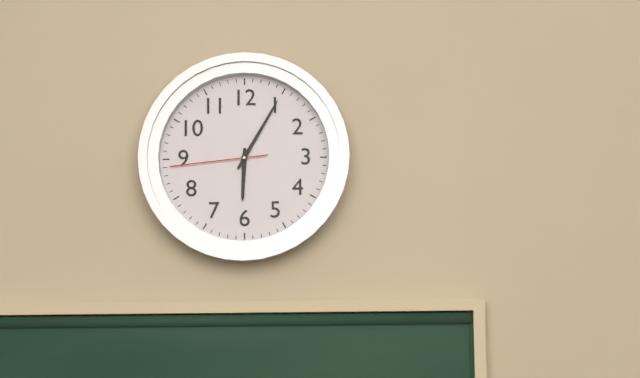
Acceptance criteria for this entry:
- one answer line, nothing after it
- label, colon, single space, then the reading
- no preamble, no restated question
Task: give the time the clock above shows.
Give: 6:05:44
